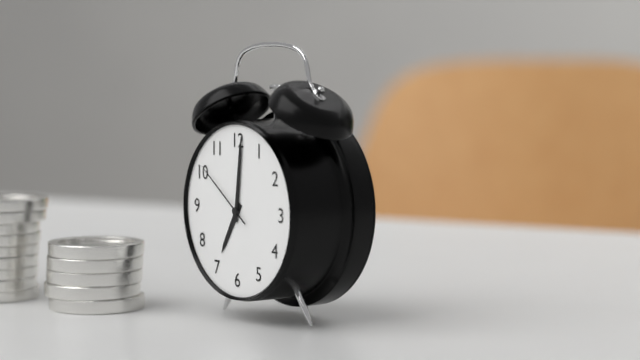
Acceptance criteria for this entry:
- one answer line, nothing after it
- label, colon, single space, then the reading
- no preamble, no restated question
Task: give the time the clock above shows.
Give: 7:01:51
